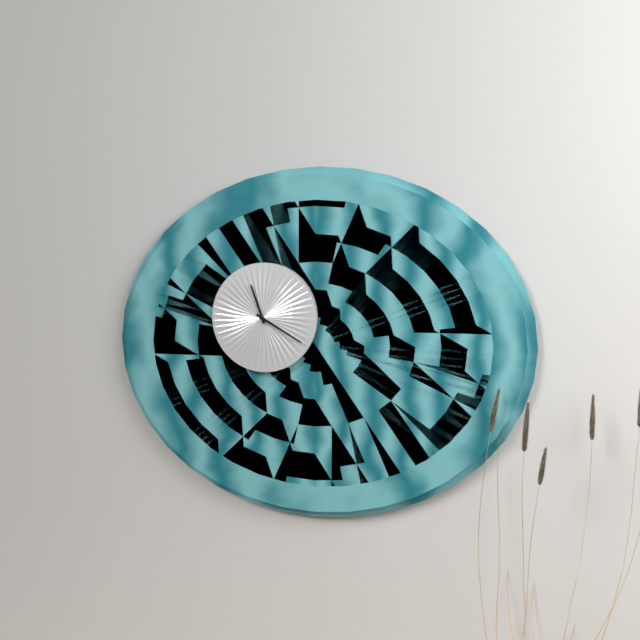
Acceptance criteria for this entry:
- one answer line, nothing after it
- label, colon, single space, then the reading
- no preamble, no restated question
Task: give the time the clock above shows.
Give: 11:20
